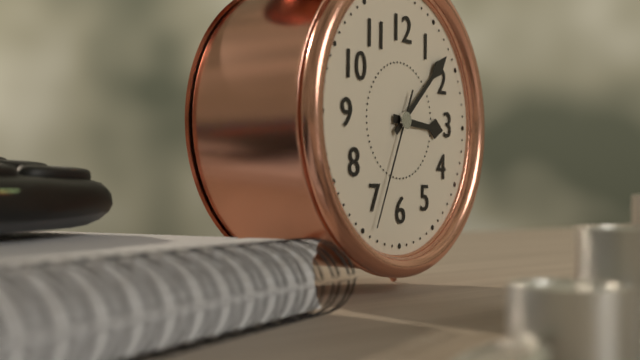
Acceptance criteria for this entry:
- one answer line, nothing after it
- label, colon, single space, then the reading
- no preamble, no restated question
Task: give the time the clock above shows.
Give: 3:08:34
